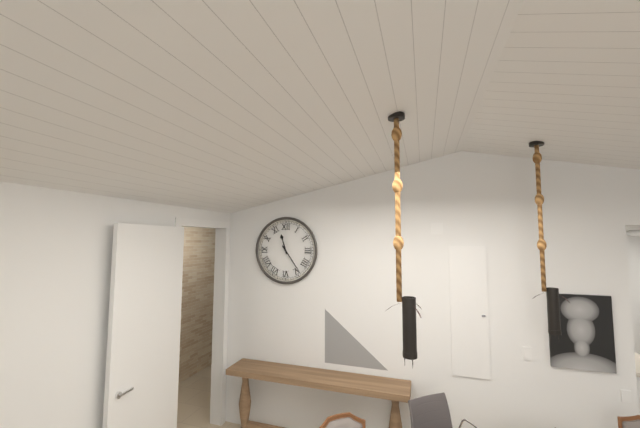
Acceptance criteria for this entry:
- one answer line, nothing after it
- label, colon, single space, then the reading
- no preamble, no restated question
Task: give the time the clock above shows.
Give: 11:24
